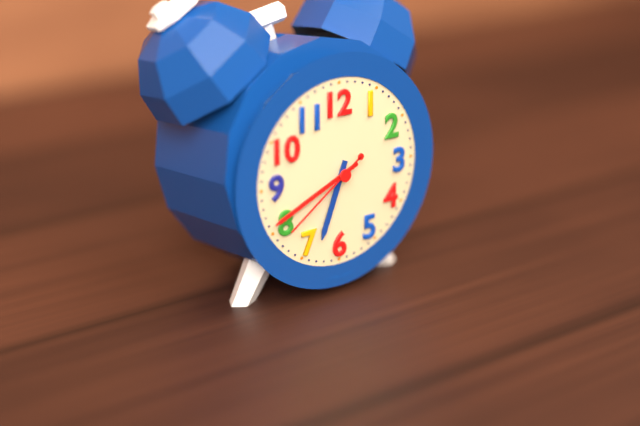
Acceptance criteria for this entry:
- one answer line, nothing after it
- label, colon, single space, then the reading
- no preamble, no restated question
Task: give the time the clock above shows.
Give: 6:41:39
